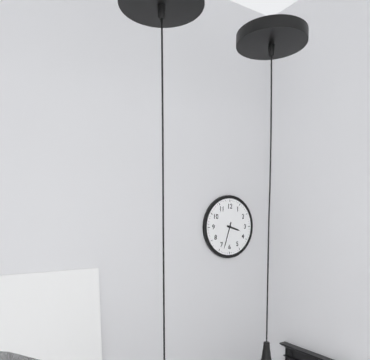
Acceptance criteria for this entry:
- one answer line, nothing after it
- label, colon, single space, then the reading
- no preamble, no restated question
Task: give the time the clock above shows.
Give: 3:33
